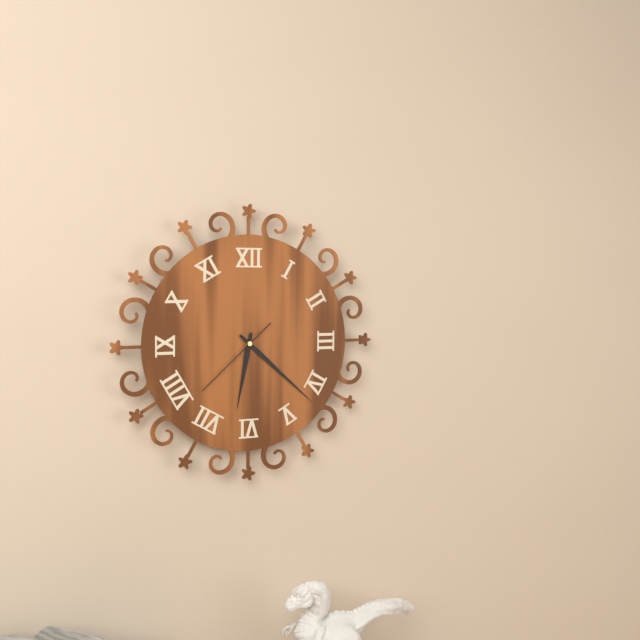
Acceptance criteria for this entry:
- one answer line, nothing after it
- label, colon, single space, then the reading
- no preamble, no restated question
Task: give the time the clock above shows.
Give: 6:22:38
